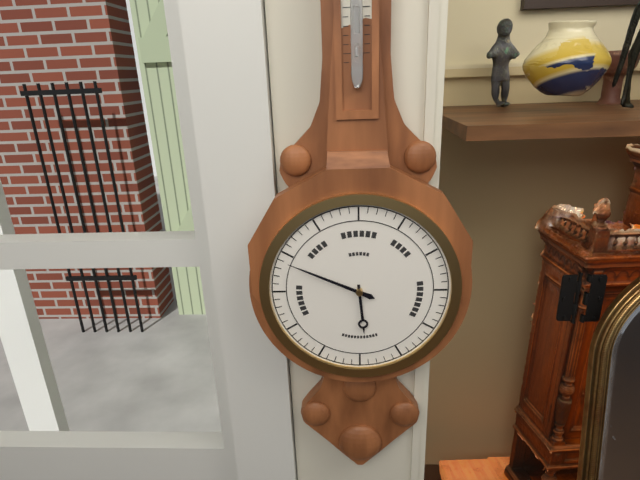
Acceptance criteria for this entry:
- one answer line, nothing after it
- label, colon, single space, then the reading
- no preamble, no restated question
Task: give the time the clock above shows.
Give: 5:49
